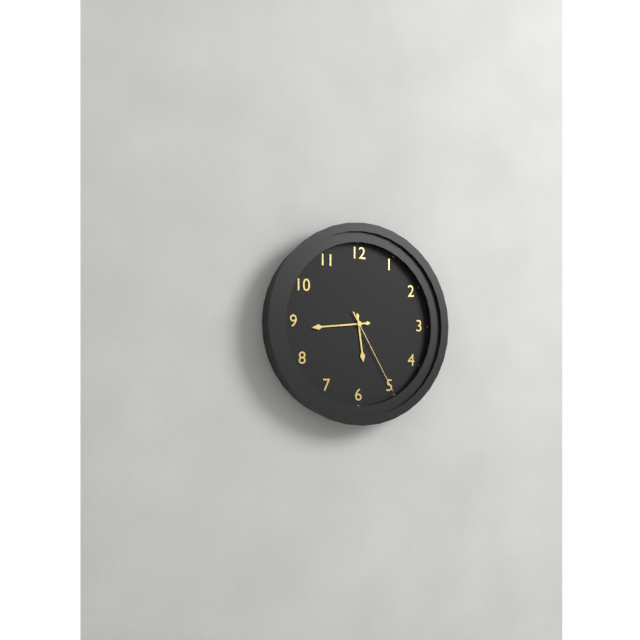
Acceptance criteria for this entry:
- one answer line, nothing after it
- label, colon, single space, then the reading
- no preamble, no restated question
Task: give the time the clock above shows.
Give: 5:44:25
